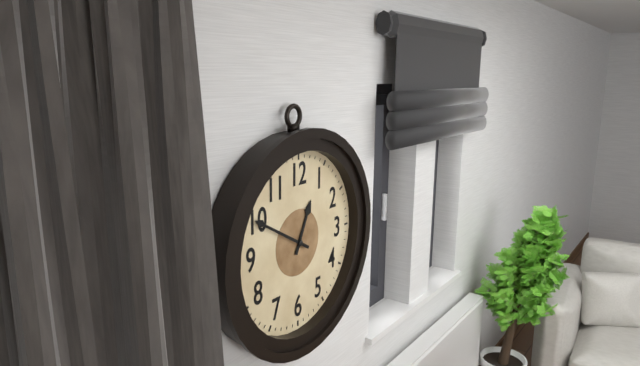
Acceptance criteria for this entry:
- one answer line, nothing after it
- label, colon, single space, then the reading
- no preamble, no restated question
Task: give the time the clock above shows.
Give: 12:50
